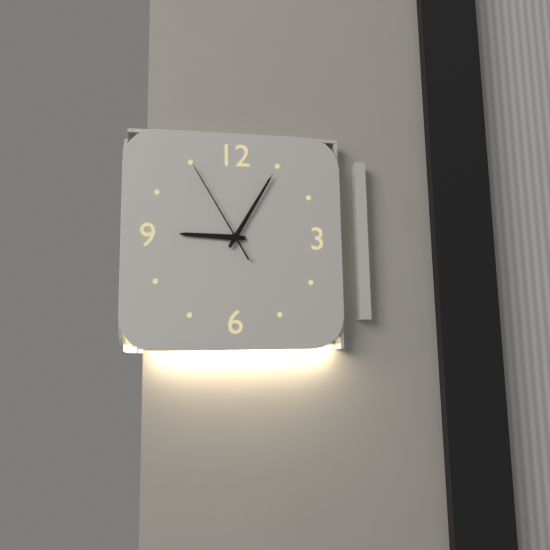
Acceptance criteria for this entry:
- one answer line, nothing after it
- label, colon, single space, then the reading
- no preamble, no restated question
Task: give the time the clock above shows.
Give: 9:05:55
